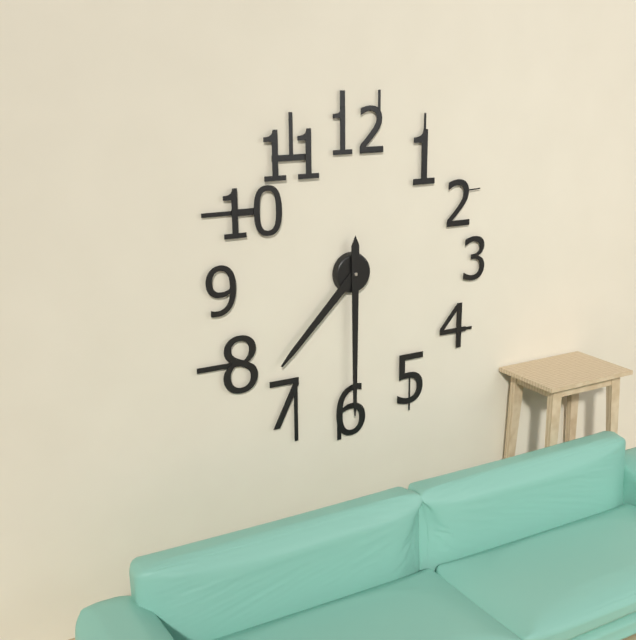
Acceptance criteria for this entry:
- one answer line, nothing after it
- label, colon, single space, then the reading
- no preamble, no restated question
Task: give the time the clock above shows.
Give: 7:30
